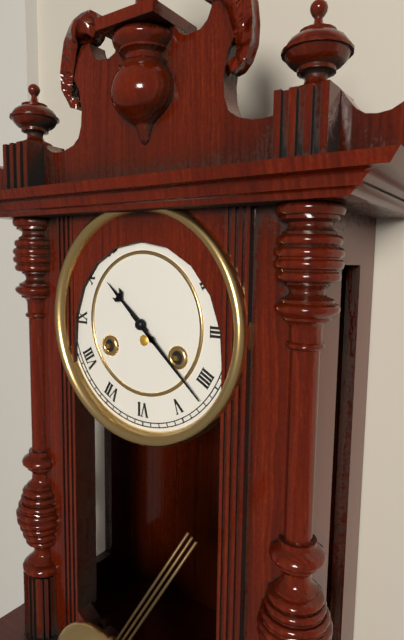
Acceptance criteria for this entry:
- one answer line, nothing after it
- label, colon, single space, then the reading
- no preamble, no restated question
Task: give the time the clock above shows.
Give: 10:22
